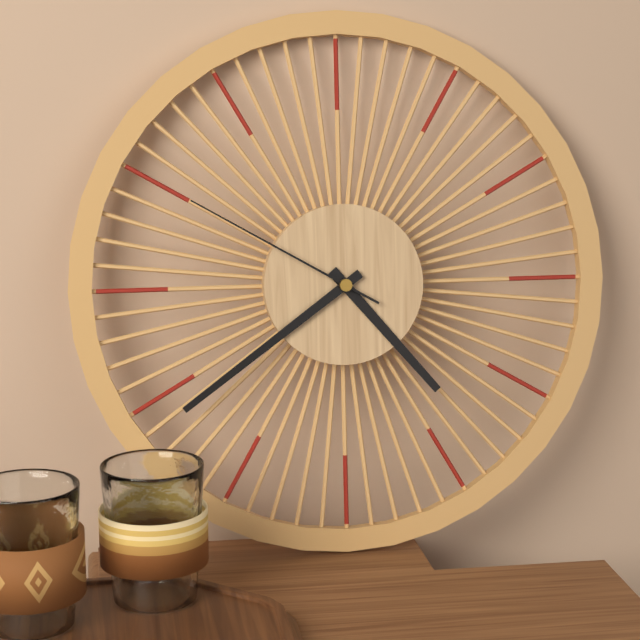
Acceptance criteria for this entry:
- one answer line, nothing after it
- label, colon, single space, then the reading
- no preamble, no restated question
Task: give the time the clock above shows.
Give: 4:39:50
